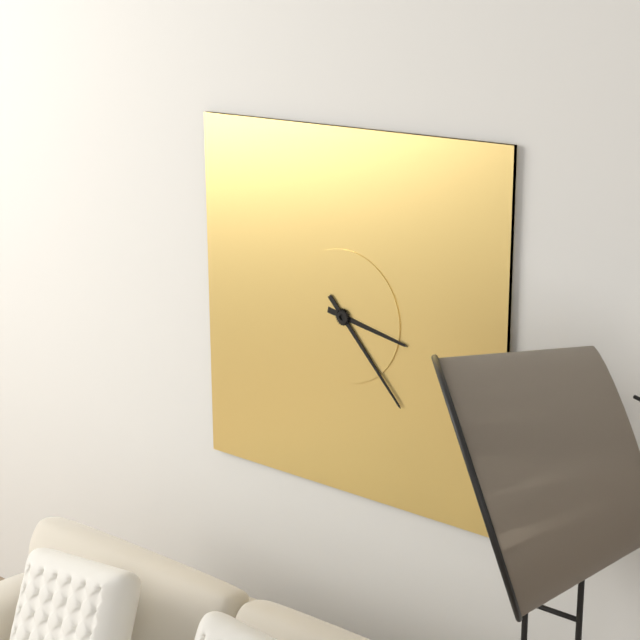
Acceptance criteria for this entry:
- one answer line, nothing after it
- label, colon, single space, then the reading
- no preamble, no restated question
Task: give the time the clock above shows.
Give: 3:23
